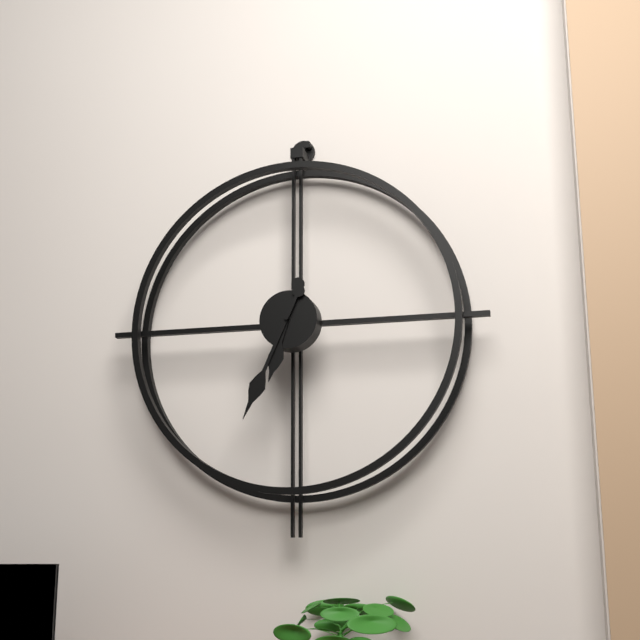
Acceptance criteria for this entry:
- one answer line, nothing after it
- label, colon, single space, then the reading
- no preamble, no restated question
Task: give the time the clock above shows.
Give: 6:34
